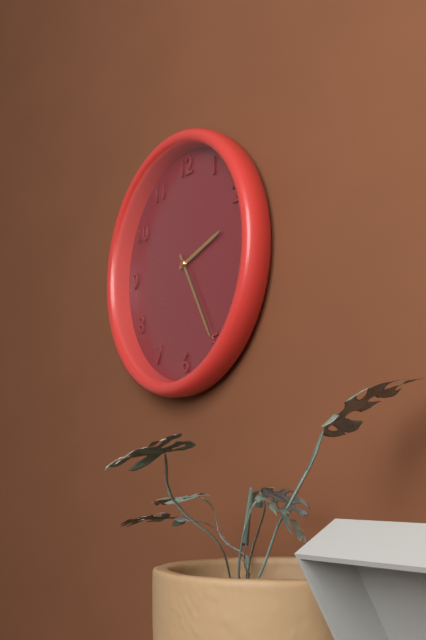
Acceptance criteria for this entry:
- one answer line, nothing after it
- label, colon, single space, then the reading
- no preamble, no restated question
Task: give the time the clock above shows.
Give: 2:25
